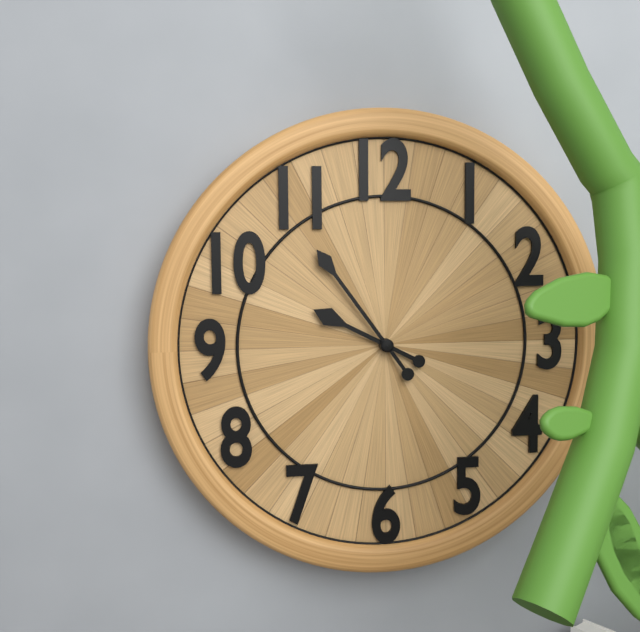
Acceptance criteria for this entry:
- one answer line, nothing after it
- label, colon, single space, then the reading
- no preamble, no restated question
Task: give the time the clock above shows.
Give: 9:54
